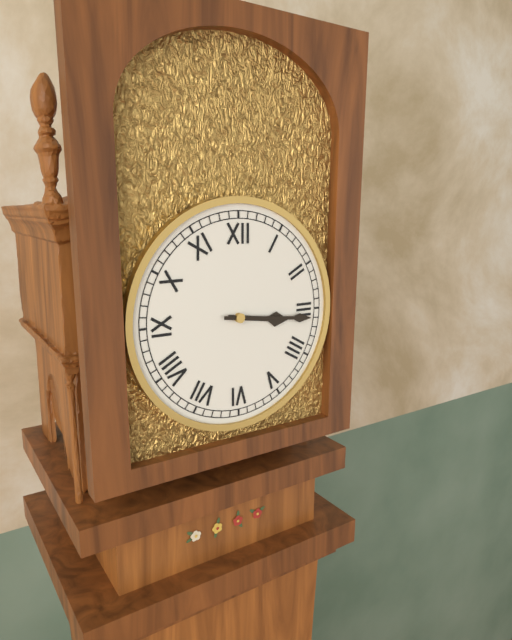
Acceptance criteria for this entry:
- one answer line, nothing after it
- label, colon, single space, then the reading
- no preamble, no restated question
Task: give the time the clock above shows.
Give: 3:16
